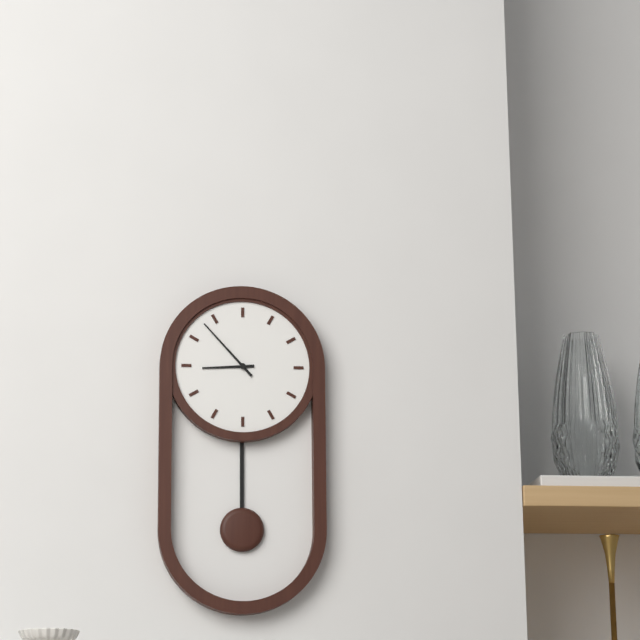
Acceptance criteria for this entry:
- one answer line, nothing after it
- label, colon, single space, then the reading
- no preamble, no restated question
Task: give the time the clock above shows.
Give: 8:53
